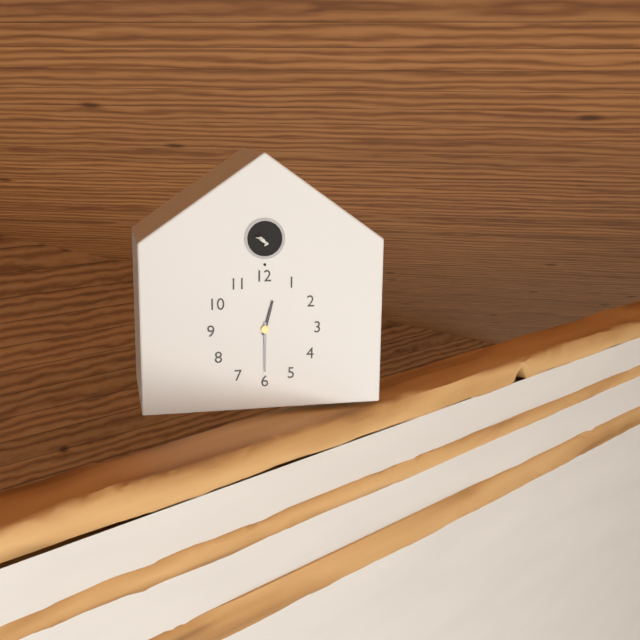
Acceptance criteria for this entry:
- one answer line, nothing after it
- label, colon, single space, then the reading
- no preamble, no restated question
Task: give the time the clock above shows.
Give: 12:30
